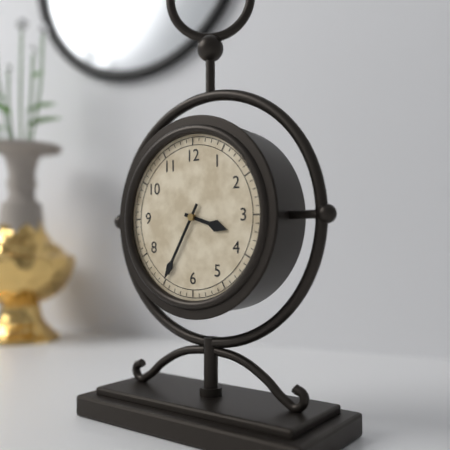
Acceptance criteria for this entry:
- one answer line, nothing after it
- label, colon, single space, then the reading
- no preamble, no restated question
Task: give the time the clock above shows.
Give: 3:35
